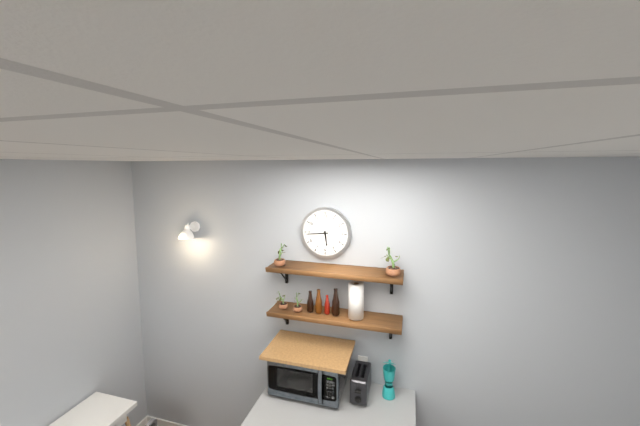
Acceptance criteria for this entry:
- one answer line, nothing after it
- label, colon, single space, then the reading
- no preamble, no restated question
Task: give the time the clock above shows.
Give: 5:44
